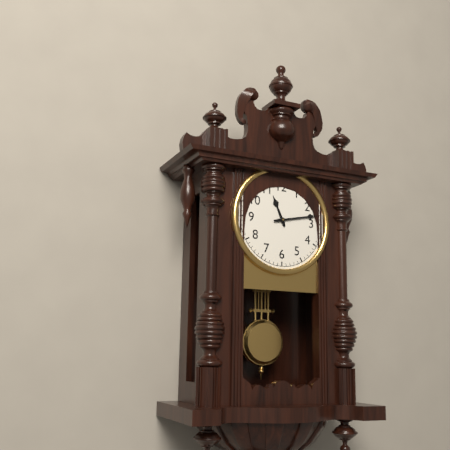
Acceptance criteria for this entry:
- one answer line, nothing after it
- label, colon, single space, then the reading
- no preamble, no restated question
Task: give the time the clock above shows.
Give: 11:13
